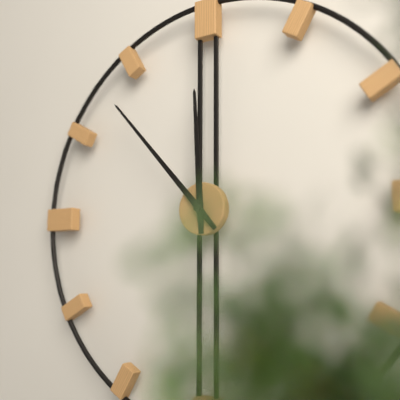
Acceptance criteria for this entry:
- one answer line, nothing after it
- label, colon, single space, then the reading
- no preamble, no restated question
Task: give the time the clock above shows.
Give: 11:53
